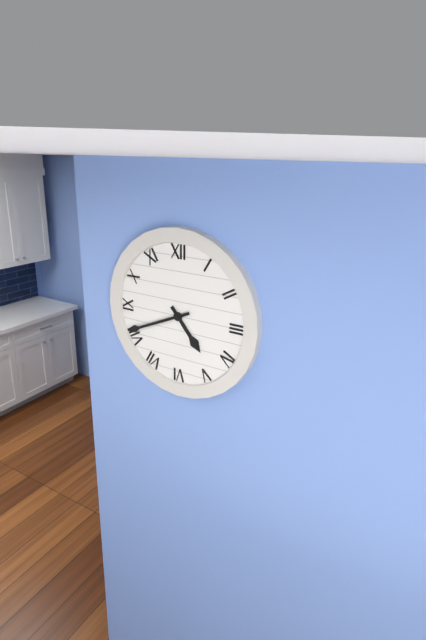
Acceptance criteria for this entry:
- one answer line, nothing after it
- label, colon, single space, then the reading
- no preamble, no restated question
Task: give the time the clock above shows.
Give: 4:41
